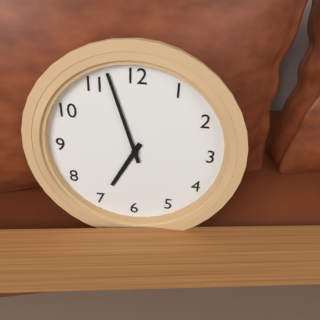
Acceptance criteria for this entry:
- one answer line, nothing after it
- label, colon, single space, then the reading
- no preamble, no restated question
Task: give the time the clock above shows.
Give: 6:57
